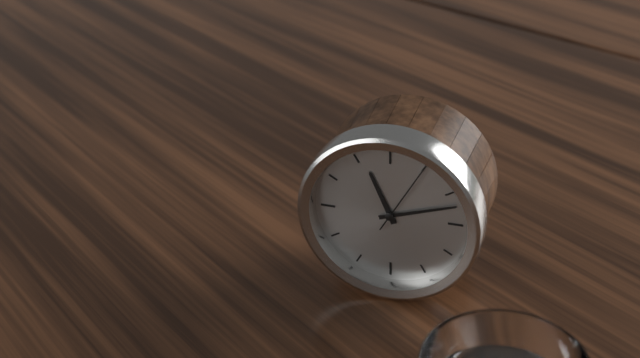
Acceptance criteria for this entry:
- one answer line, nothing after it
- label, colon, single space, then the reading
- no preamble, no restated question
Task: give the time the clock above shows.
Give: 11:12:05
